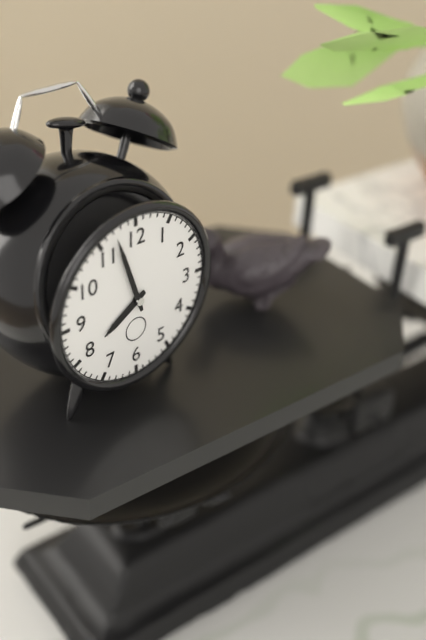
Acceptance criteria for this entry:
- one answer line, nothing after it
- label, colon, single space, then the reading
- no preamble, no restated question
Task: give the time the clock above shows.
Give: 7:57
